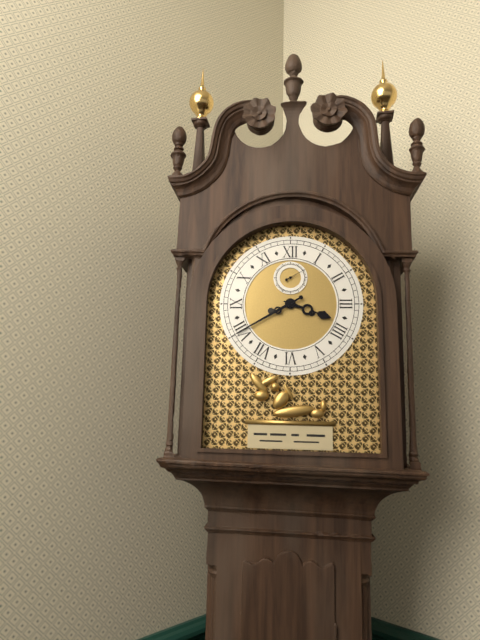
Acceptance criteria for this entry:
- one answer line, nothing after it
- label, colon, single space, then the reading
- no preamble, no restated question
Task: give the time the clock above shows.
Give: 3:40
